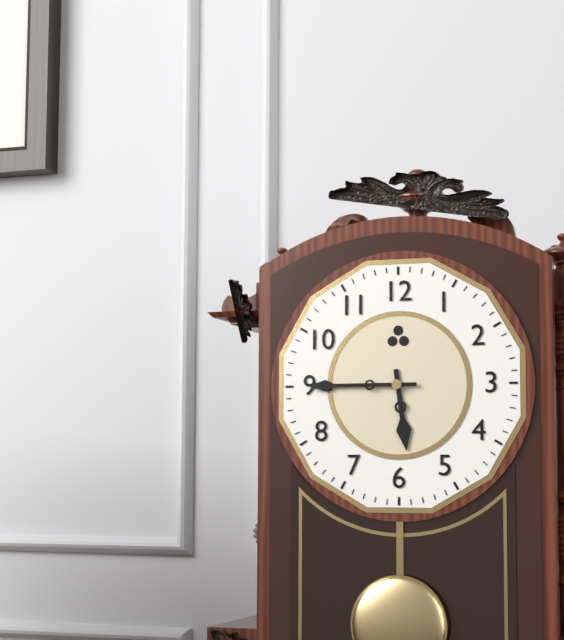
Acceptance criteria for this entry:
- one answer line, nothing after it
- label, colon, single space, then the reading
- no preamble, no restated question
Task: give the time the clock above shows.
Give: 5:45
